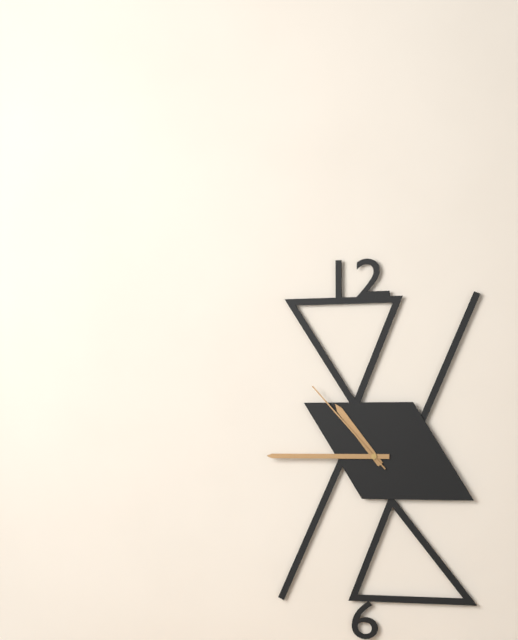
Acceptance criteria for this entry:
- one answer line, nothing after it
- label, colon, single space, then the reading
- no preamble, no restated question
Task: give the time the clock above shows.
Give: 10:45:53
